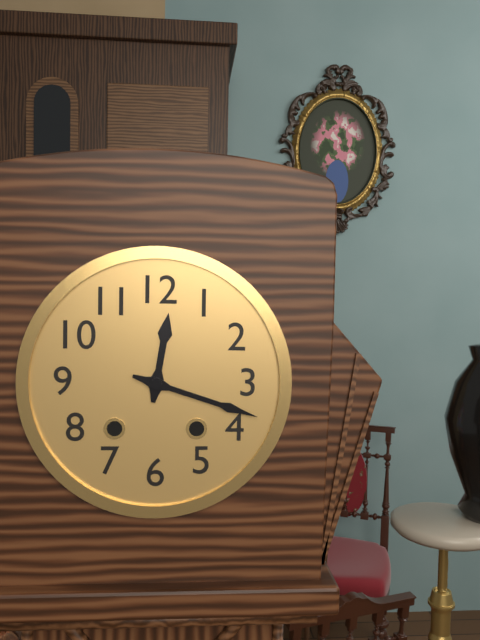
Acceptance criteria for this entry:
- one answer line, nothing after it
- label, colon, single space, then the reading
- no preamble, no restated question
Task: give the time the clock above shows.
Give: 12:18
